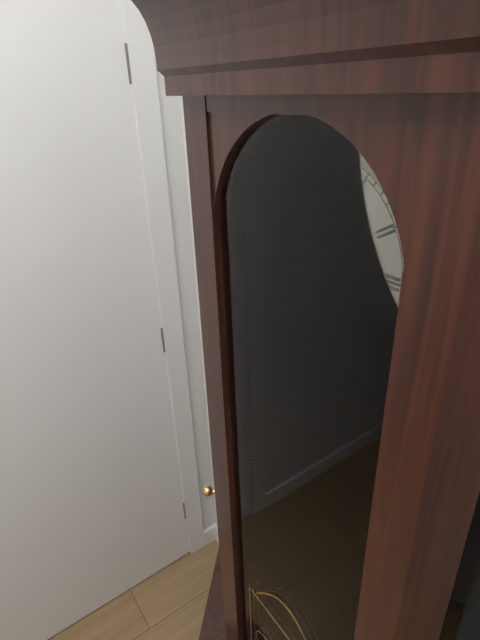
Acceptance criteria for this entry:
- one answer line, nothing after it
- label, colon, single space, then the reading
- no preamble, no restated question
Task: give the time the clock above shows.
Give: 5:17
